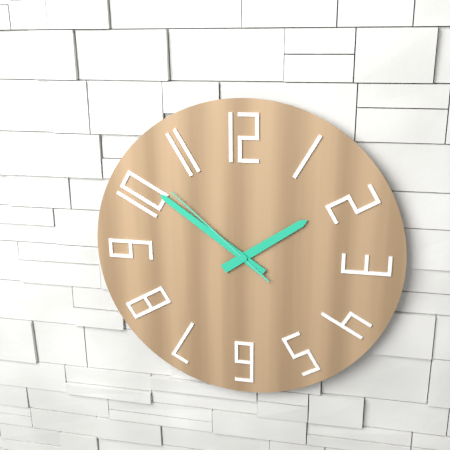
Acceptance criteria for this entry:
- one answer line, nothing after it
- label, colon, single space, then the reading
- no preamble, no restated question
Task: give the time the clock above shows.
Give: 1:51:52
